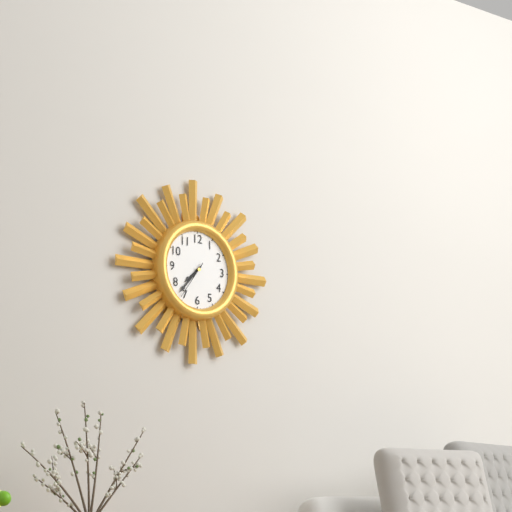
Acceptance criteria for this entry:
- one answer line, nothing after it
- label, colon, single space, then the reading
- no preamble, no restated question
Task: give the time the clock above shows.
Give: 7:37
